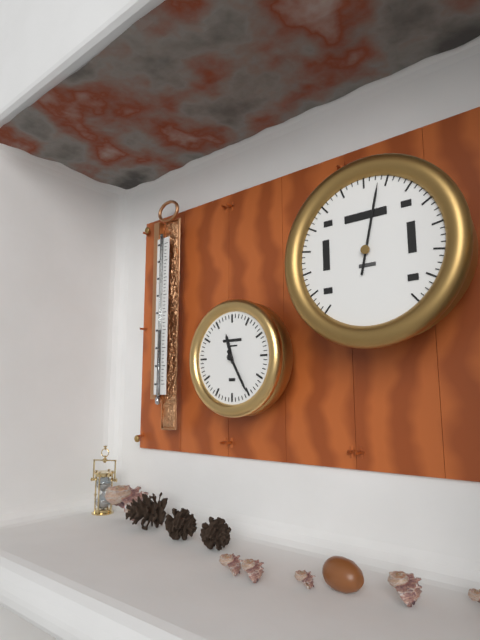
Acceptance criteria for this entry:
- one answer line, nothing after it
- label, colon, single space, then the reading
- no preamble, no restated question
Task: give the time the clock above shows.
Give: 11:25
